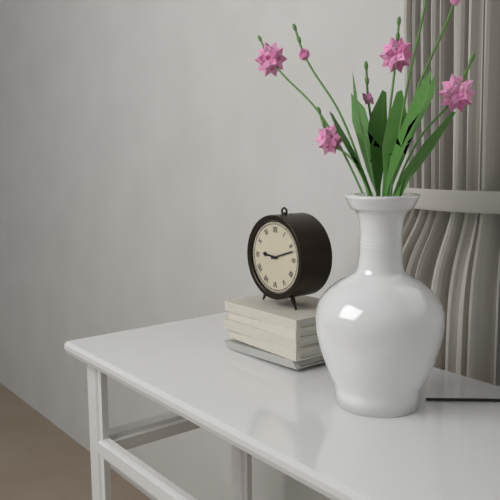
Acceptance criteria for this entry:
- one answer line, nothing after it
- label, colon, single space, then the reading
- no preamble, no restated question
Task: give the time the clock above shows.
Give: 9:12
